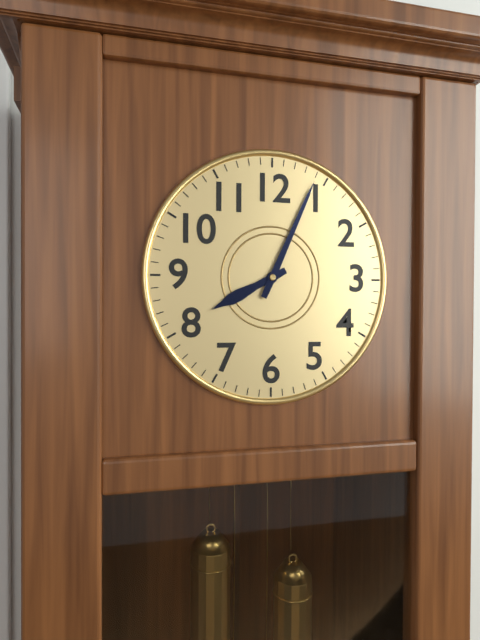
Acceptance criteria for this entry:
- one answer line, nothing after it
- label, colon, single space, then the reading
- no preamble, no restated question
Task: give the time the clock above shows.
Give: 8:04
